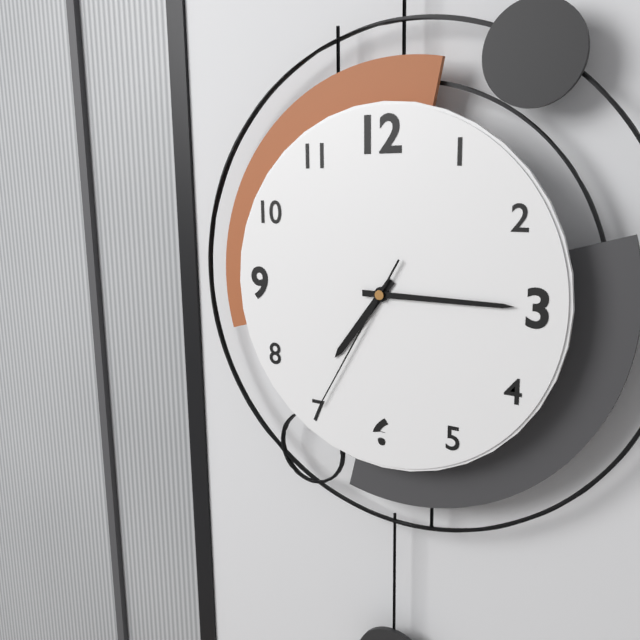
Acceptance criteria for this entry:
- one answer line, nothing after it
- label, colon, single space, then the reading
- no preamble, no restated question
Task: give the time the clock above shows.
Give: 7:15:35
